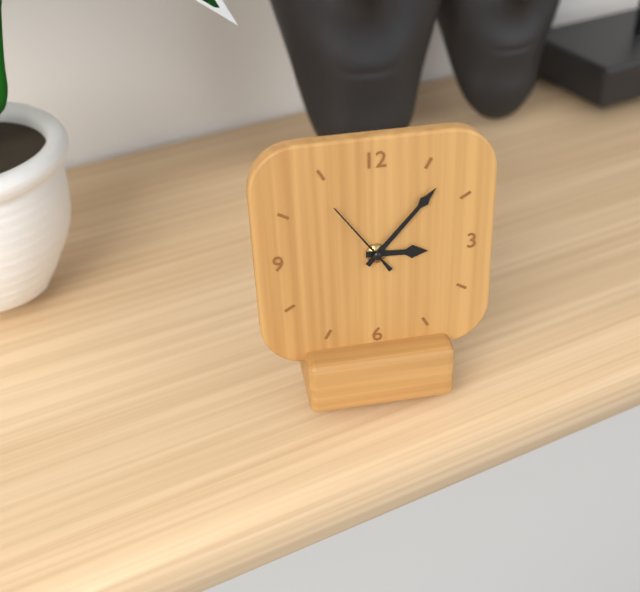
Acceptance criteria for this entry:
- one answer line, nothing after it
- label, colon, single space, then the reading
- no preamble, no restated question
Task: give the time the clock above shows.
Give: 3:07:54
